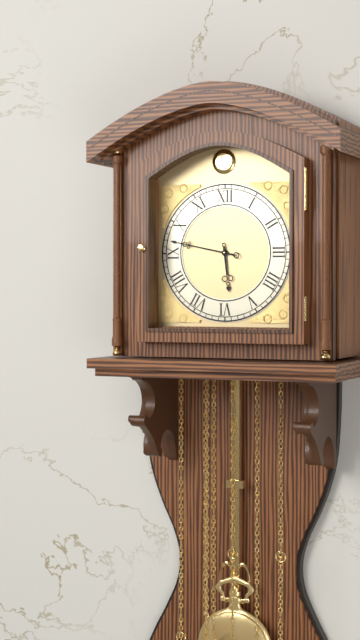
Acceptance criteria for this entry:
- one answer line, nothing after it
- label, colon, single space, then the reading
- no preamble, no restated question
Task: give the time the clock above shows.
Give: 5:47
